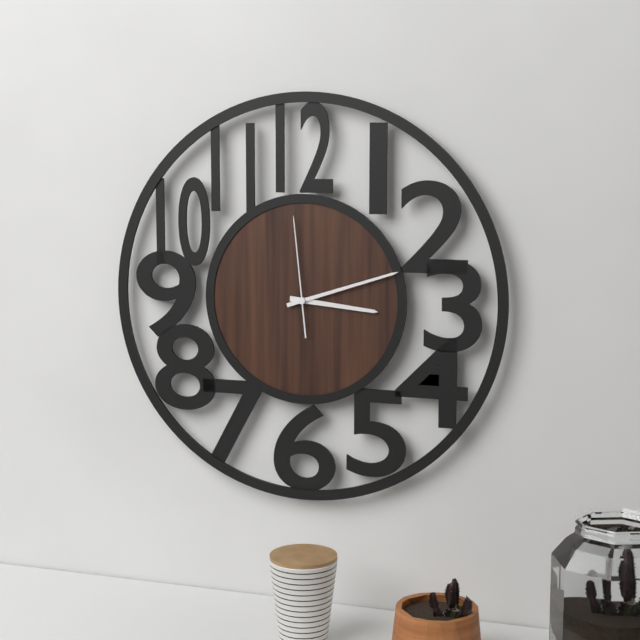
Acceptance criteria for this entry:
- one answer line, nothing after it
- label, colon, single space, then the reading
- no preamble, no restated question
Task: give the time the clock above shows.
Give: 3:12:59
